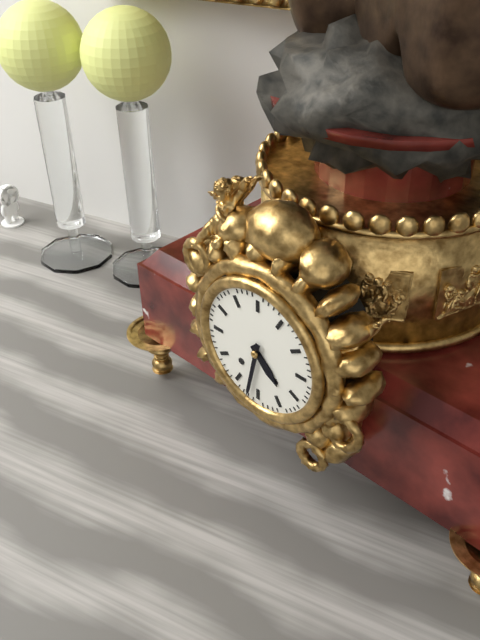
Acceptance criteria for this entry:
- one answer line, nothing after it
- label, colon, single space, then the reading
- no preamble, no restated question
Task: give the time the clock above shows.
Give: 4:32
